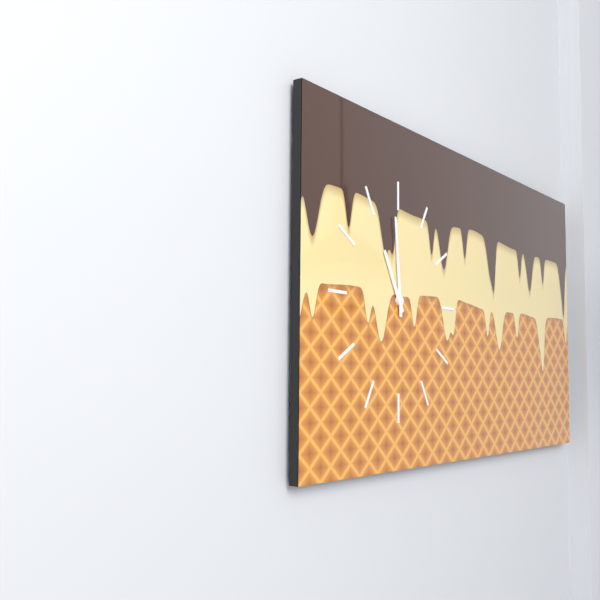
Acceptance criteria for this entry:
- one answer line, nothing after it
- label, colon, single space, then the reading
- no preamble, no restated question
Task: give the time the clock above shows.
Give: 10:59
